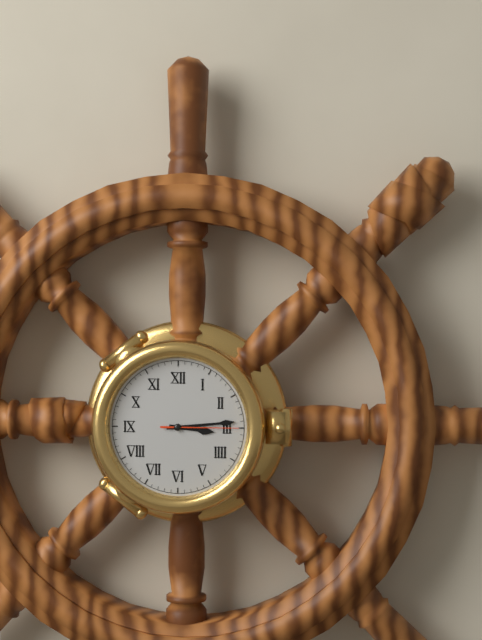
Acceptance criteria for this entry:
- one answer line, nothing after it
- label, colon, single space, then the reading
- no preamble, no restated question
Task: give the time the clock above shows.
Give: 3:14:15
